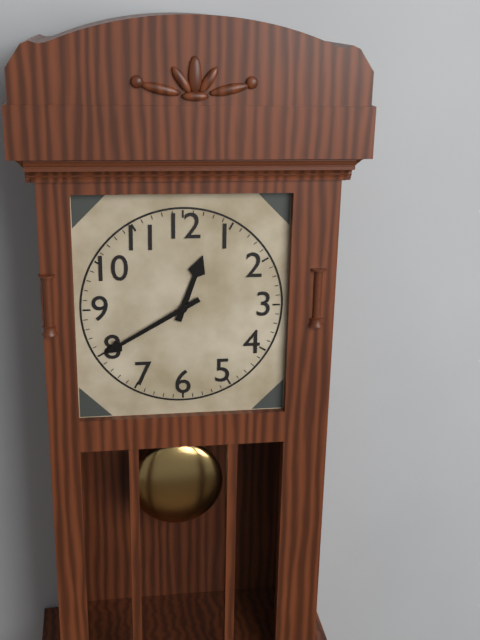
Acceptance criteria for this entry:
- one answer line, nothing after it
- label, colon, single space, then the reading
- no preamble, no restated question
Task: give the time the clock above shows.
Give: 12:40
